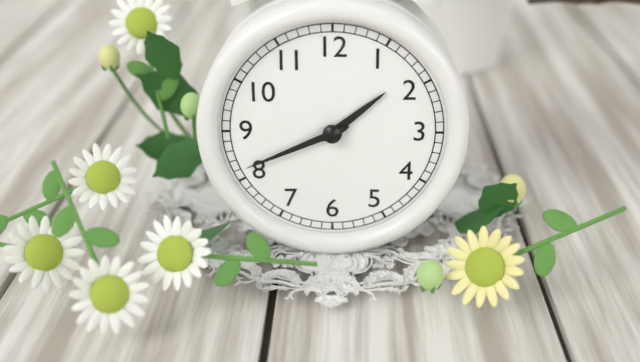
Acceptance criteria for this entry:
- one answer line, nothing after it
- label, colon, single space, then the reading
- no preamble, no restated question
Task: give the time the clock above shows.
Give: 1:41
